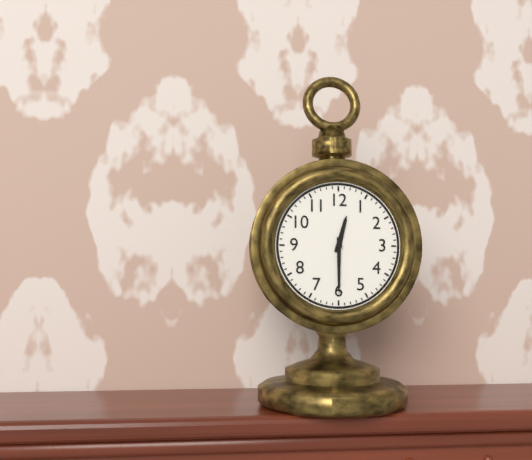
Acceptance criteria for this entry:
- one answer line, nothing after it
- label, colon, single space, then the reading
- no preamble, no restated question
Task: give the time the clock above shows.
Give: 12:30
